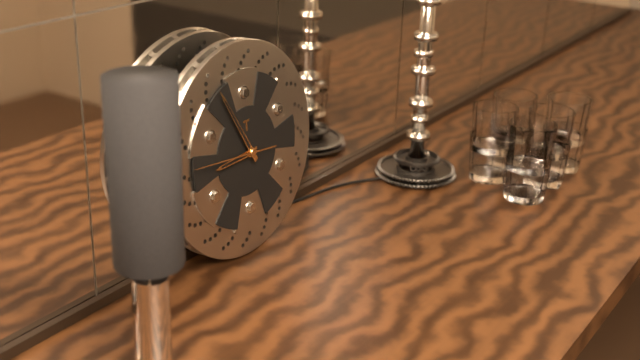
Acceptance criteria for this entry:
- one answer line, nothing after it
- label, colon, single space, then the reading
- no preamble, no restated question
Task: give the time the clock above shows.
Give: 8:55:46
